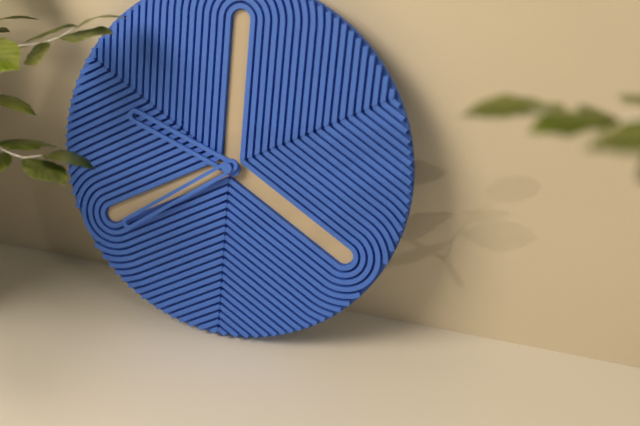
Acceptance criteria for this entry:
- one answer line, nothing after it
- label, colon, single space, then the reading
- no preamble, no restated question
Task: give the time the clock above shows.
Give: 9:39
